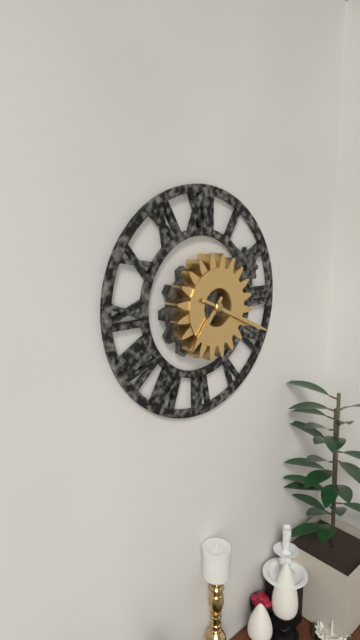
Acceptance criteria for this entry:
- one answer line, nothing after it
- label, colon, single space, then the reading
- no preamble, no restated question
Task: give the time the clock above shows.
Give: 7:19
